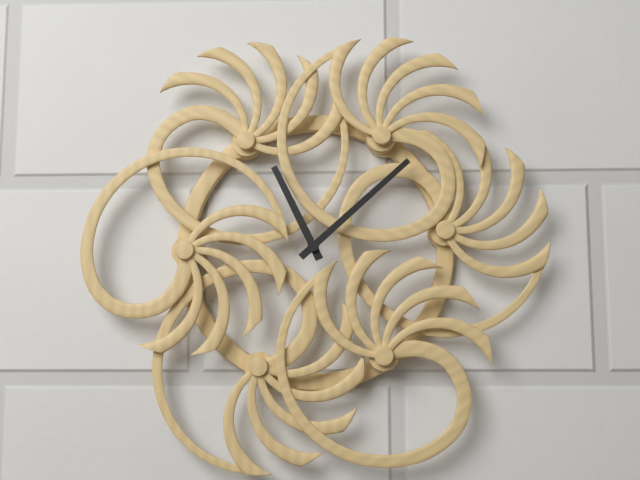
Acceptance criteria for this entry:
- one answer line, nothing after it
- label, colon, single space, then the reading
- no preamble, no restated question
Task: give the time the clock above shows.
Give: 11:08
